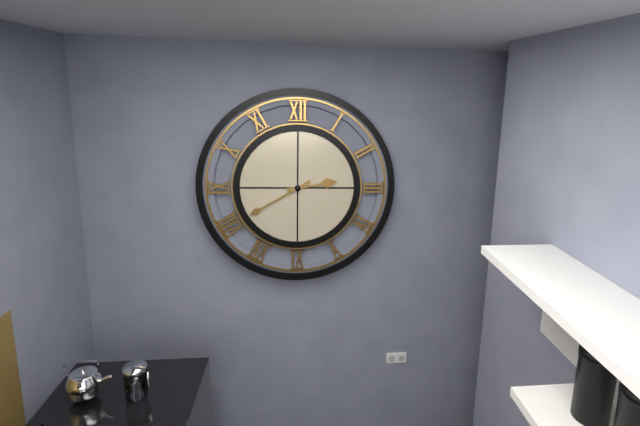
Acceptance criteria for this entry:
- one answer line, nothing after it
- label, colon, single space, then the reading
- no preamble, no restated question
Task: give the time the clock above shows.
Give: 2:40
